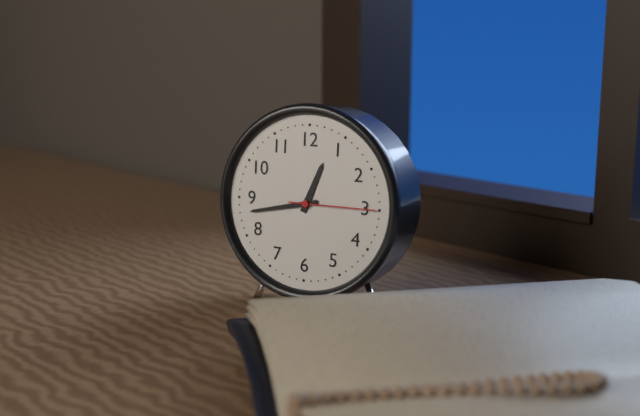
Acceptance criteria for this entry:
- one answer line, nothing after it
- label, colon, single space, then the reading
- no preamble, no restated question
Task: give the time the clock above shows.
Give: 12:43:15
